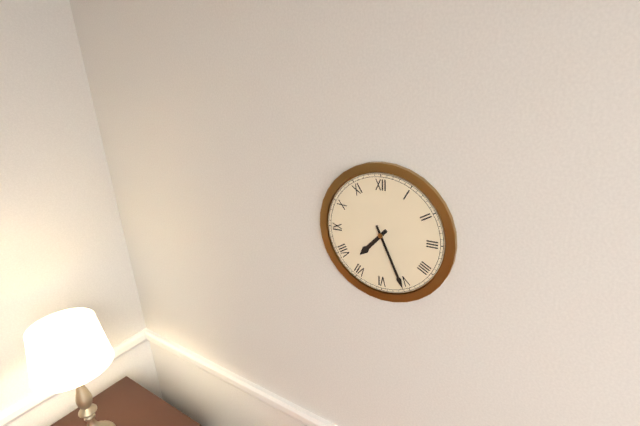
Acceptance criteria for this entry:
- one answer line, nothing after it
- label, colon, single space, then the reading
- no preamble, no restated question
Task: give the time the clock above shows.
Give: 7:26
